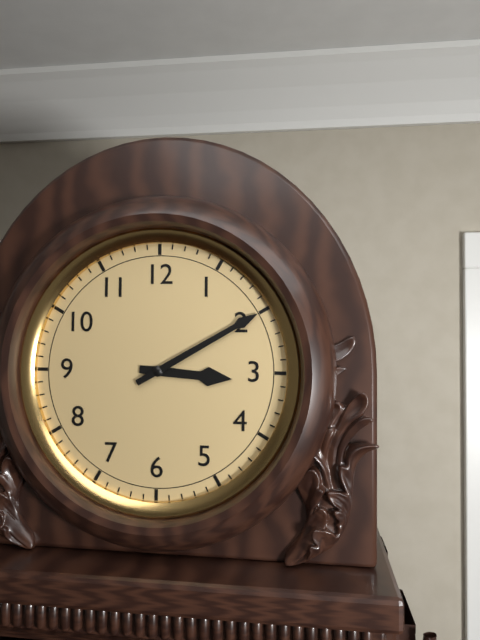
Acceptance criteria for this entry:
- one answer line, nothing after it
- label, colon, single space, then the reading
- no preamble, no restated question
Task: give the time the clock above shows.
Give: 3:10
